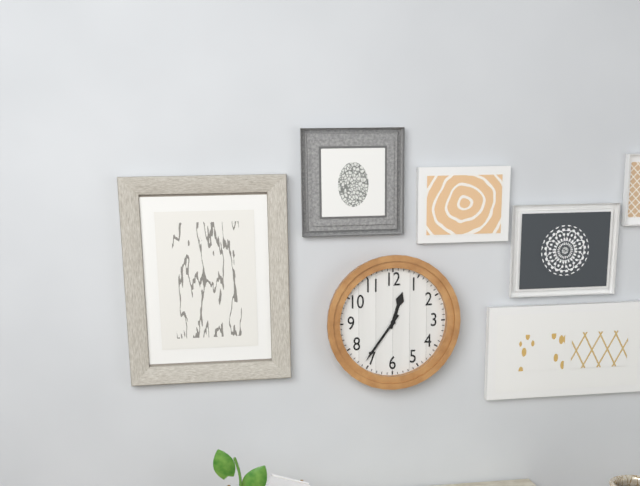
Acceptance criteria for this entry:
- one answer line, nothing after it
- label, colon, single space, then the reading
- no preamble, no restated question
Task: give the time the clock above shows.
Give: 12:36
